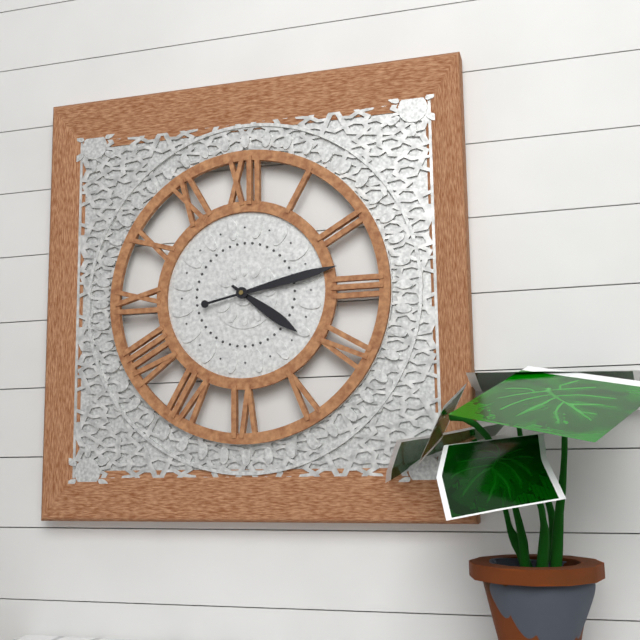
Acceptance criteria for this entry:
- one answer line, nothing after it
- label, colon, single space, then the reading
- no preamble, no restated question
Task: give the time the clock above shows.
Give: 4:13
